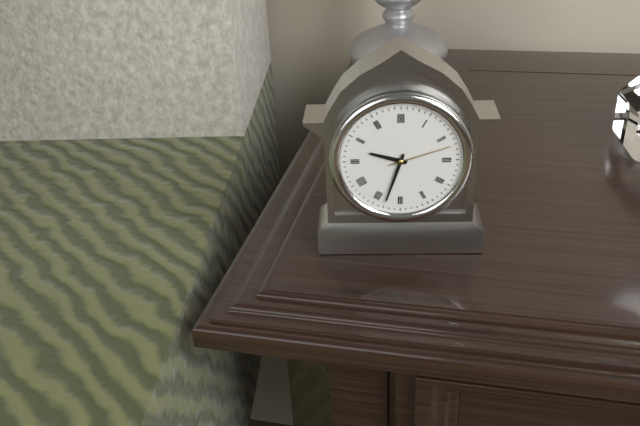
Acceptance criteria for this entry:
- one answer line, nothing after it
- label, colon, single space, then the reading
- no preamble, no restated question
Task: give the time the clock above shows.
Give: 9:33:12
